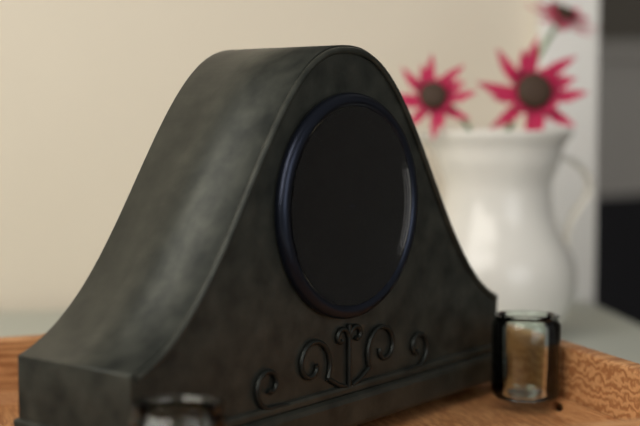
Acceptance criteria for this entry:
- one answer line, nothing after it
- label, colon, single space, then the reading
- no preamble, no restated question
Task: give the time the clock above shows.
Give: 2:28
